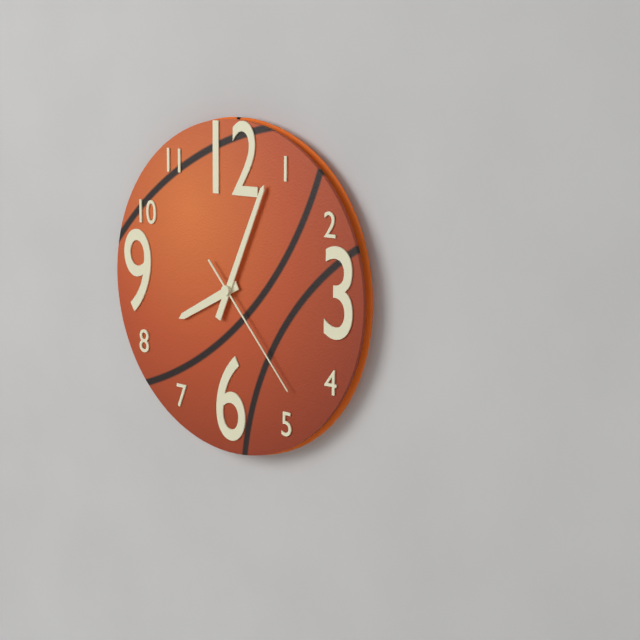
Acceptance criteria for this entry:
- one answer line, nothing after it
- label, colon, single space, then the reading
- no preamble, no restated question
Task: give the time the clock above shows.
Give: 8:04:23
